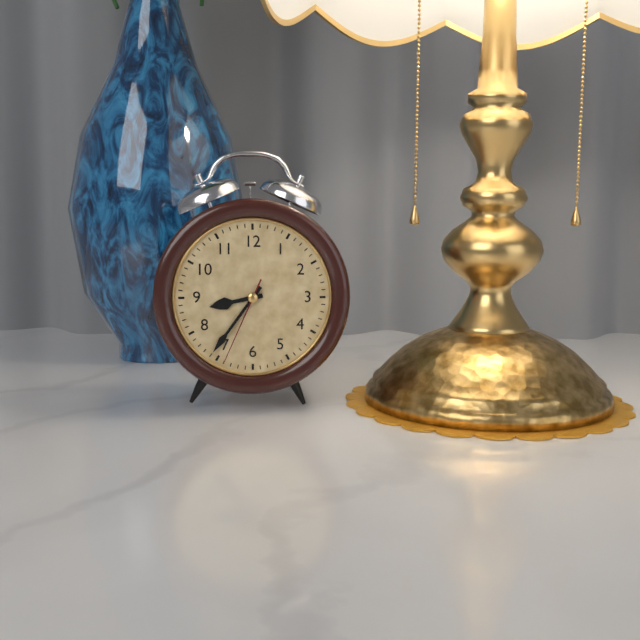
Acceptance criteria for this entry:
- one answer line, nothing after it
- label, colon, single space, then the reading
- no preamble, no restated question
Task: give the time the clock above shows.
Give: 8:36:34
